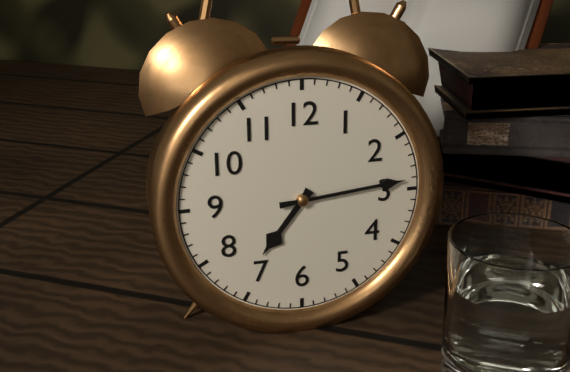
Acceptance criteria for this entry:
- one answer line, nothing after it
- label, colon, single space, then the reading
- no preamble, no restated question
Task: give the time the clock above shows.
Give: 7:14
